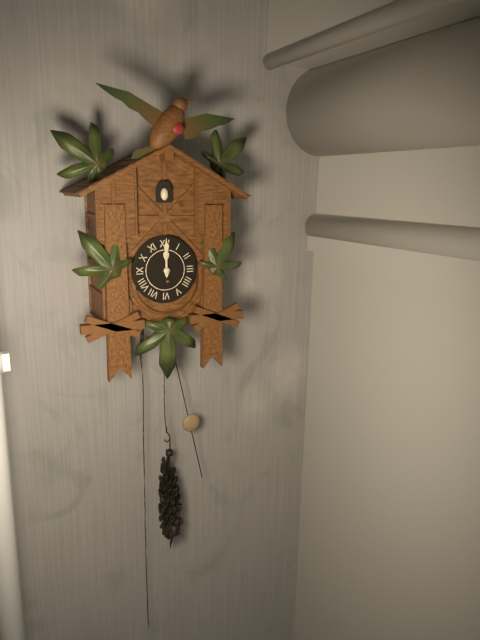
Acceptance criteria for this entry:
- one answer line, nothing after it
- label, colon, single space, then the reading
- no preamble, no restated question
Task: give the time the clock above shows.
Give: 12:00
